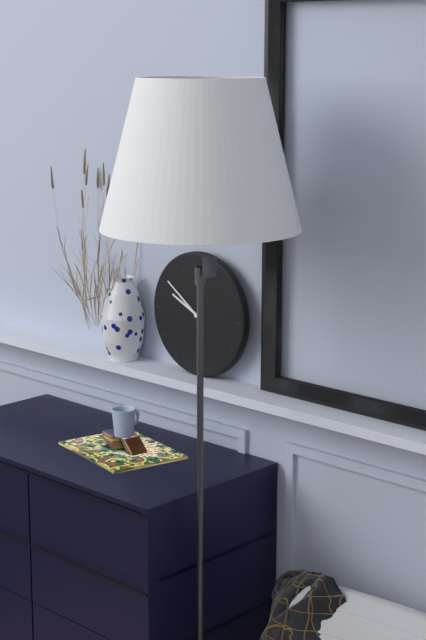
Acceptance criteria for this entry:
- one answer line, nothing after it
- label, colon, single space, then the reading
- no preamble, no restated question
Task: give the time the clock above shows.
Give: 9:51
